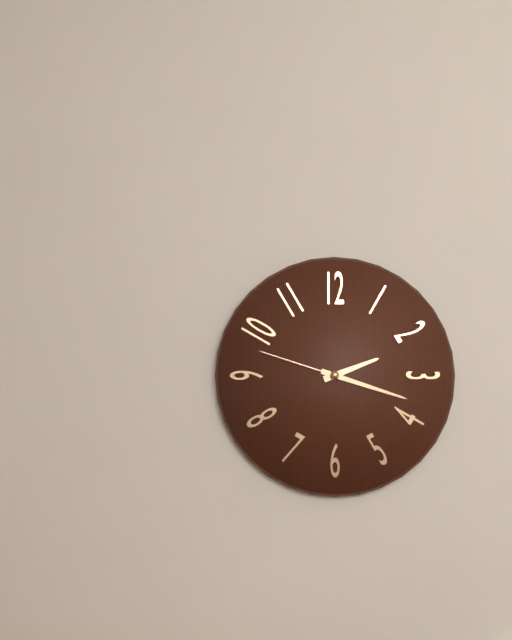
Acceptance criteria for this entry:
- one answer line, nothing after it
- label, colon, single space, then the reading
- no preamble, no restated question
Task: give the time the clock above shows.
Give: 2:18:48
